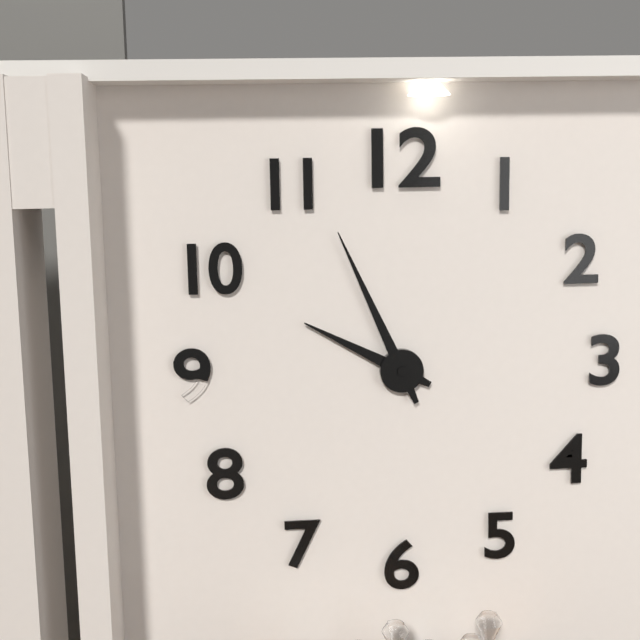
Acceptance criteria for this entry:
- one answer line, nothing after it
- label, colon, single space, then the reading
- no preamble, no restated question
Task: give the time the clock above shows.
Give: 9:56
